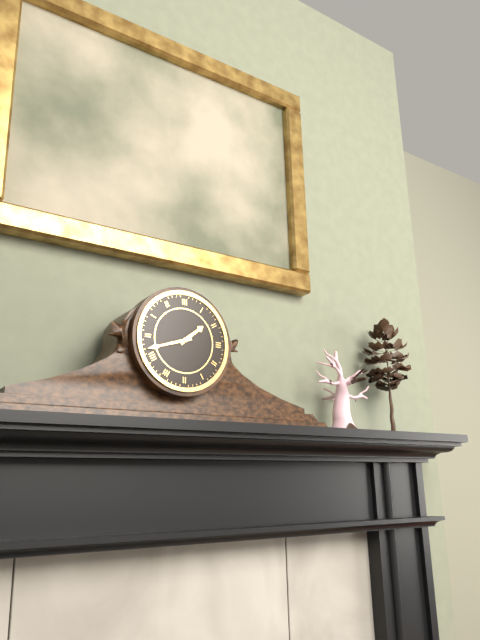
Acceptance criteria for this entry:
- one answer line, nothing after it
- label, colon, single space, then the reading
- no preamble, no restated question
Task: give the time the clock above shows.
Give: 1:42
